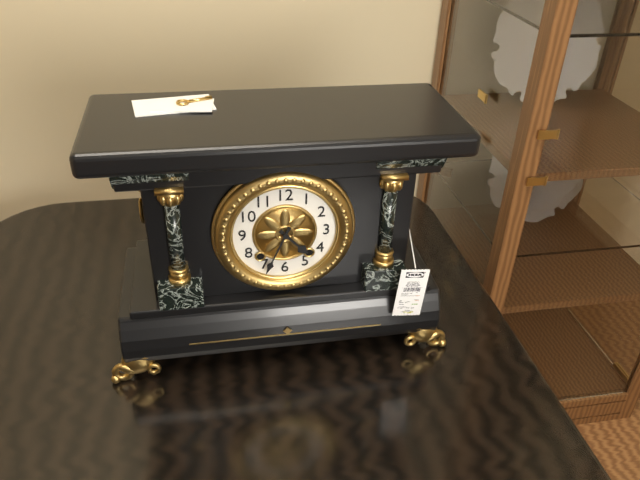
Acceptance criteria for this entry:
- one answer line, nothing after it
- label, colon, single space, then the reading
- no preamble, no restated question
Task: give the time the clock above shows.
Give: 4:34
